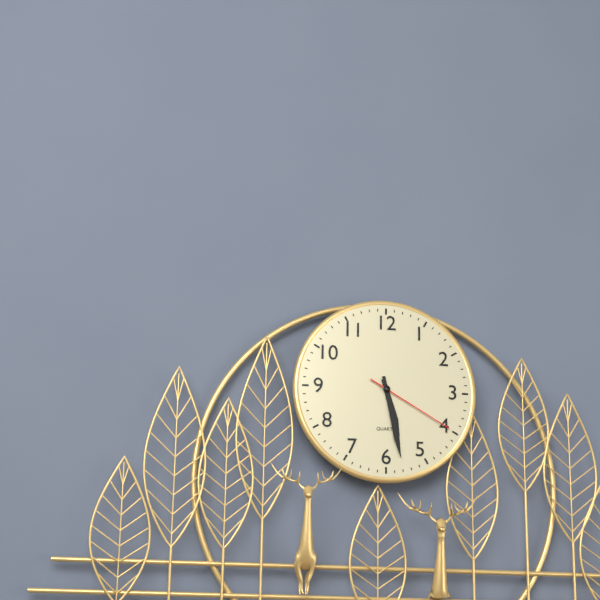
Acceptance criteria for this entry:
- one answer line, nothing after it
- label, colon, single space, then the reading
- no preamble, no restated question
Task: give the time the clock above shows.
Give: 5:28:20
